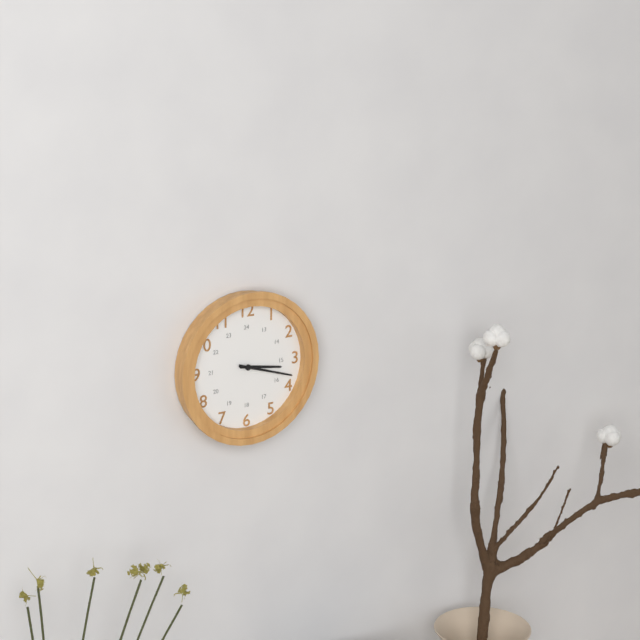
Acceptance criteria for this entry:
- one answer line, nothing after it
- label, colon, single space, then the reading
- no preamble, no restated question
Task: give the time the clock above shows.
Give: 3:18
